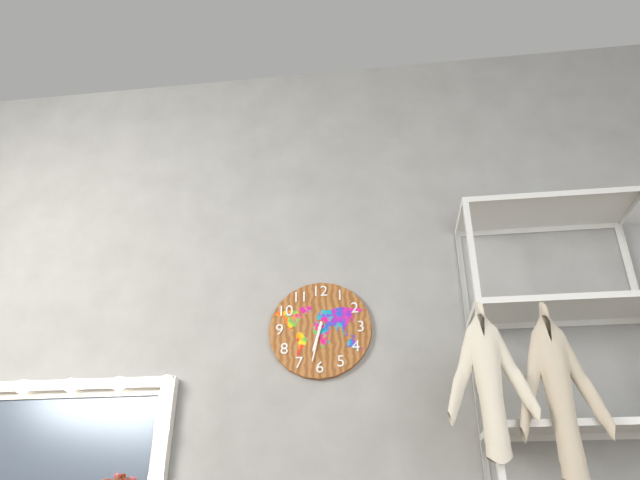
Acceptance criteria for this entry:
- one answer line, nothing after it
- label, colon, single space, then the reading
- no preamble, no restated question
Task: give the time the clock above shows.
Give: 6:32
